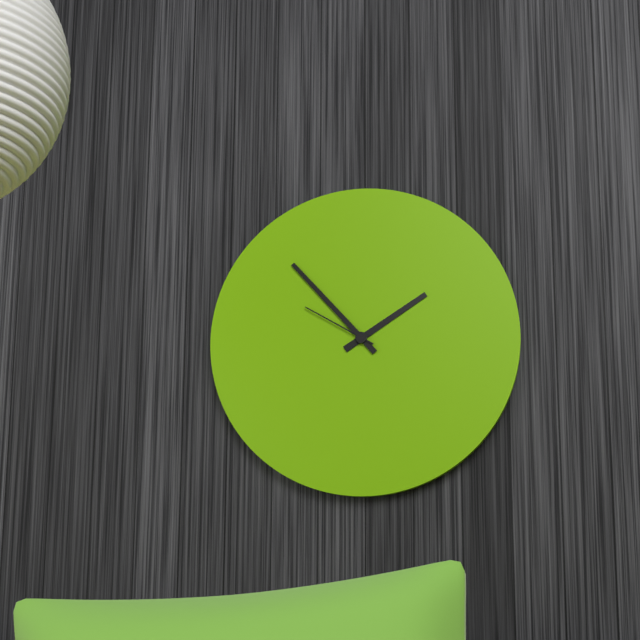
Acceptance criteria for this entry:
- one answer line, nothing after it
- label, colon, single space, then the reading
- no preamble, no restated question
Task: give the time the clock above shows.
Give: 1:53:50
